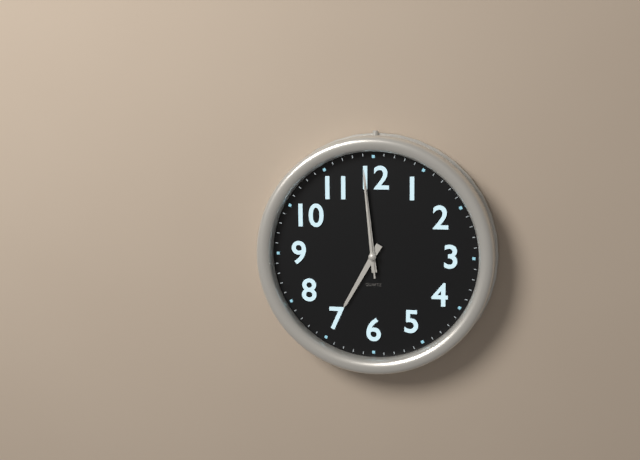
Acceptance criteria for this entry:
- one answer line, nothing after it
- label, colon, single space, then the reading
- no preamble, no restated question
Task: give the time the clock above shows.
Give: 6:59:59
